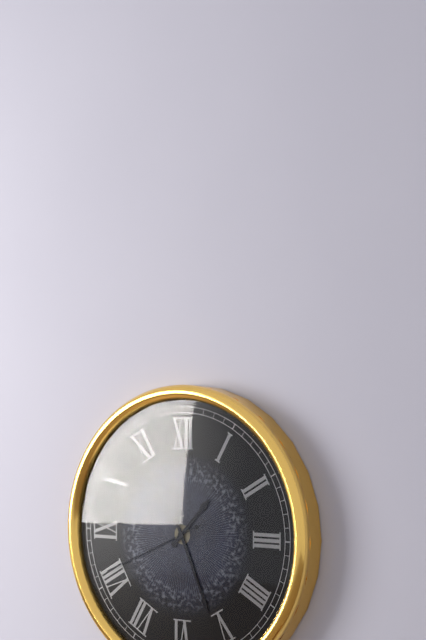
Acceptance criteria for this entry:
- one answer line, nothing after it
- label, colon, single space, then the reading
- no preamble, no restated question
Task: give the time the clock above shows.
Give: 1:26:41
